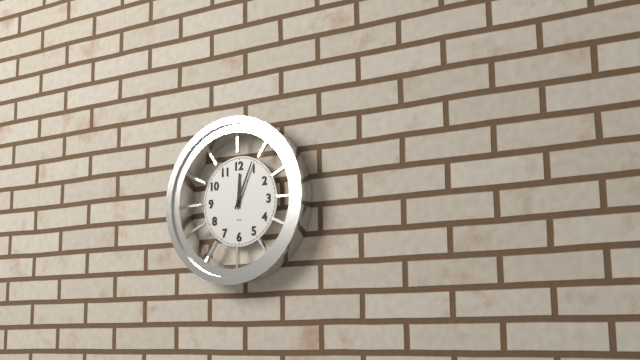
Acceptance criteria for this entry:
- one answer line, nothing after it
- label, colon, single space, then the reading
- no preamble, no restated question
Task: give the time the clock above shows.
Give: 12:04
